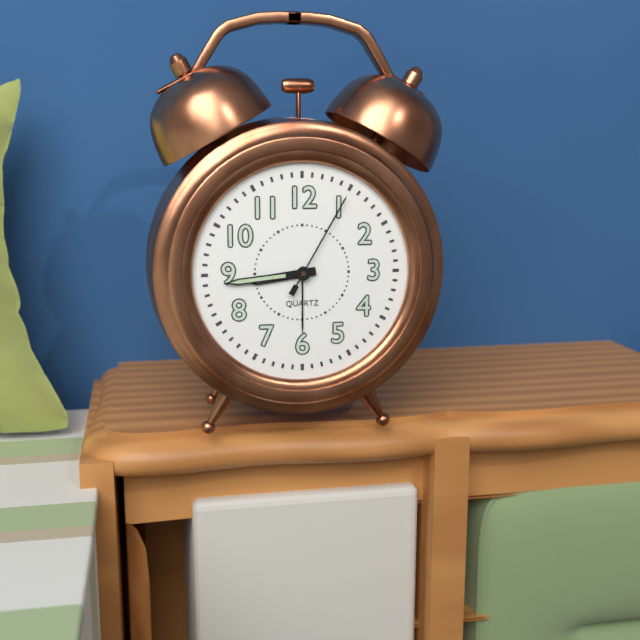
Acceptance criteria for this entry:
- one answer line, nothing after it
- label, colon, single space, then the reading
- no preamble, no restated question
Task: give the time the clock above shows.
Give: 8:44:05
